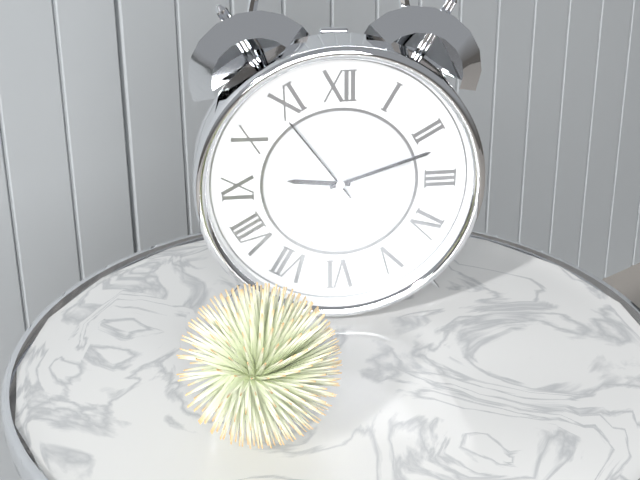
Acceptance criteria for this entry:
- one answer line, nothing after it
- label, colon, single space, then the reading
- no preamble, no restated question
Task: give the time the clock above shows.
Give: 9:12:54
